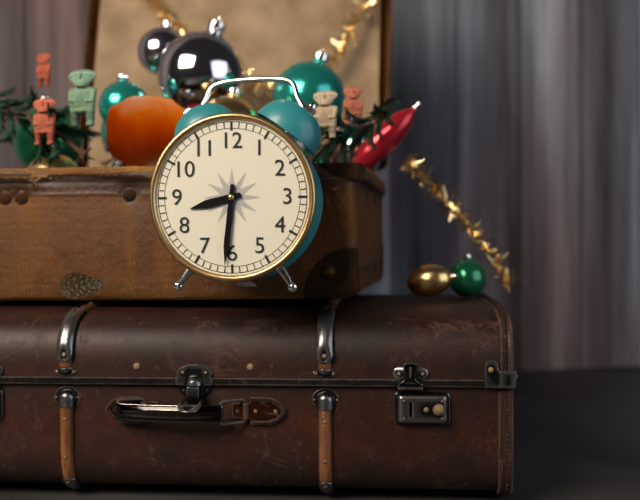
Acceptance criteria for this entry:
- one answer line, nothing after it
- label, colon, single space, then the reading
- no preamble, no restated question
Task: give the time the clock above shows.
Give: 8:31
